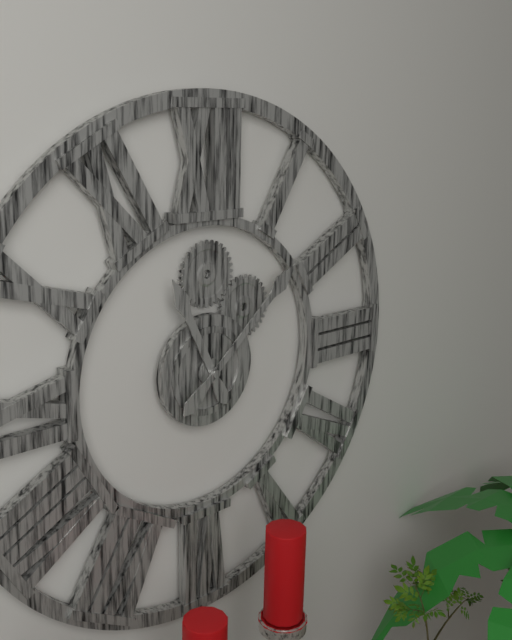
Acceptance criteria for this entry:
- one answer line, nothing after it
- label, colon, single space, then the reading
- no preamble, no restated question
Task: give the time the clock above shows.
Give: 11:08
